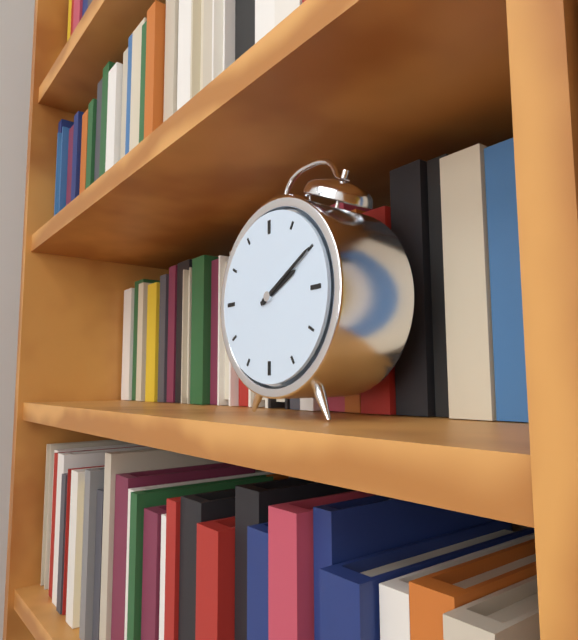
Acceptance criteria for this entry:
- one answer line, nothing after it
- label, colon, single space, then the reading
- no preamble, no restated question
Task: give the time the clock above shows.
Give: 2:10
